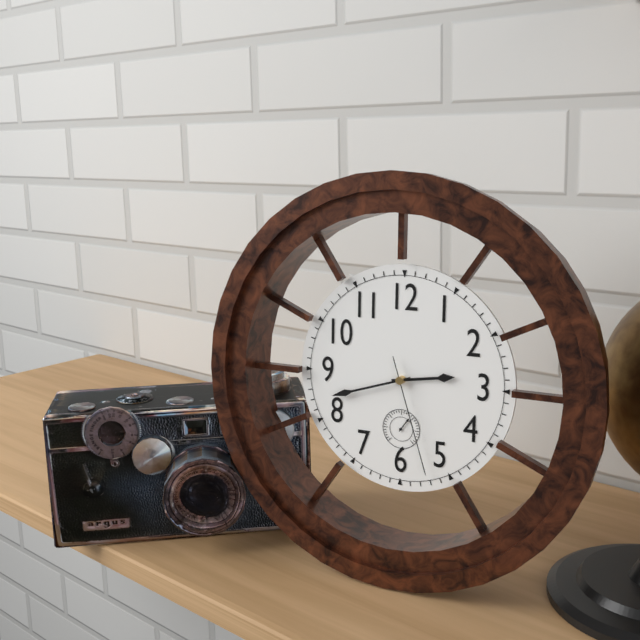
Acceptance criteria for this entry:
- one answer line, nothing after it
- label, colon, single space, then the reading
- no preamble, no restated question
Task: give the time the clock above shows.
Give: 2:42:27
